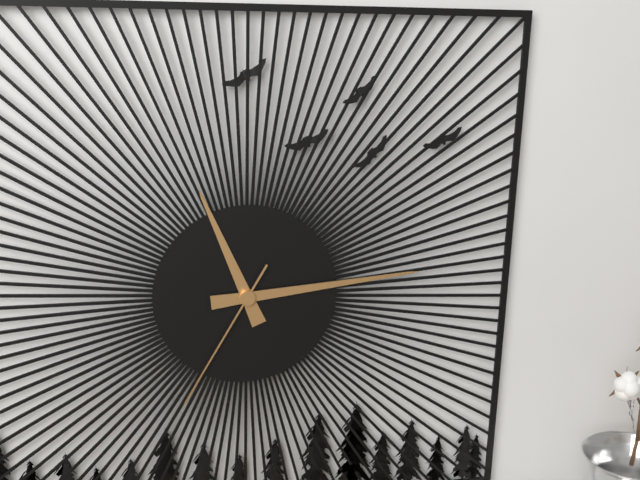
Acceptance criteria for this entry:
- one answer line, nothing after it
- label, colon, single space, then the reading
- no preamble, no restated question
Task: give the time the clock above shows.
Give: 11:14:35
